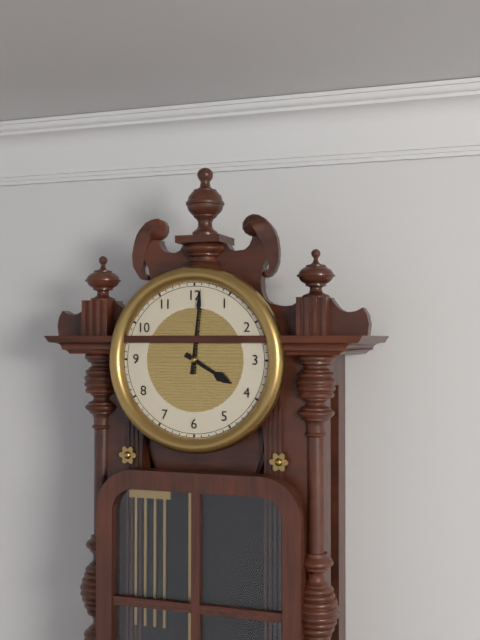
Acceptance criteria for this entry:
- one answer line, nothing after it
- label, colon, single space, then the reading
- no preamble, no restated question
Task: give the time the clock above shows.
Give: 4:01
